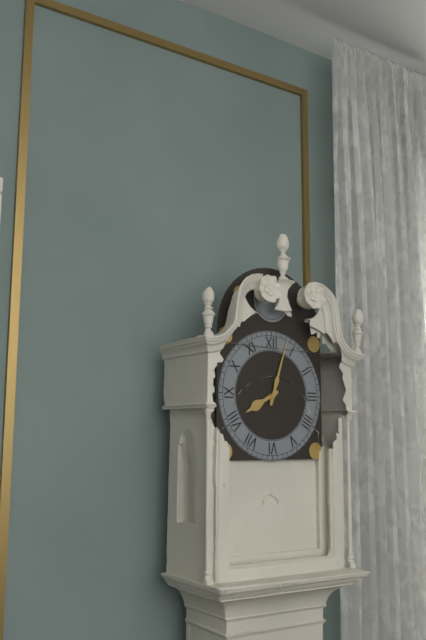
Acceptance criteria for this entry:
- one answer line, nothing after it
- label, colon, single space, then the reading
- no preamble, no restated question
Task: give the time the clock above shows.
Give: 8:03
